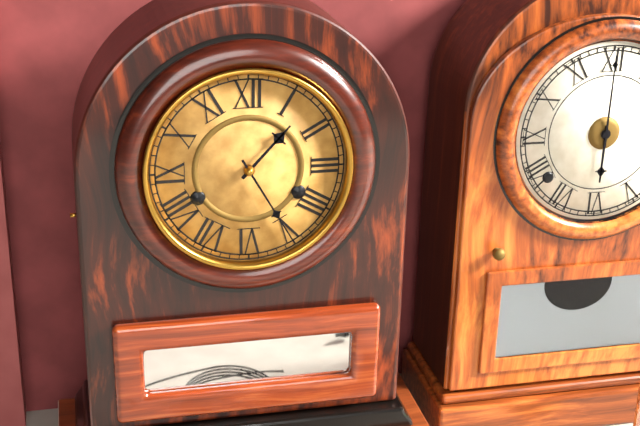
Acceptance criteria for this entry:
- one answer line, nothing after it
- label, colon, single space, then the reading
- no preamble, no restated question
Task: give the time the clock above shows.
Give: 1:25
